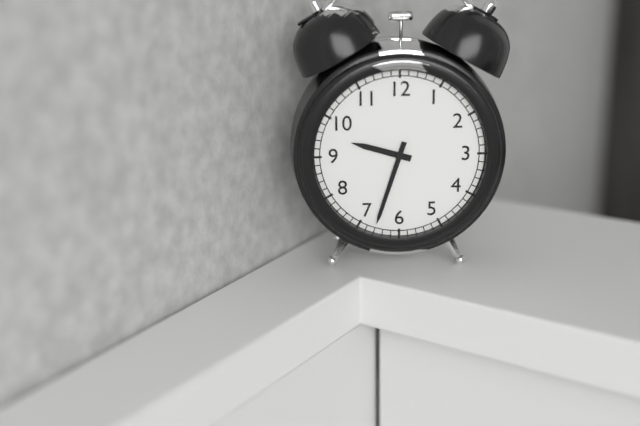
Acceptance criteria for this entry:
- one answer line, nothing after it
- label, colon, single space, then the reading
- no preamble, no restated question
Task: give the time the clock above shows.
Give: 9:33
